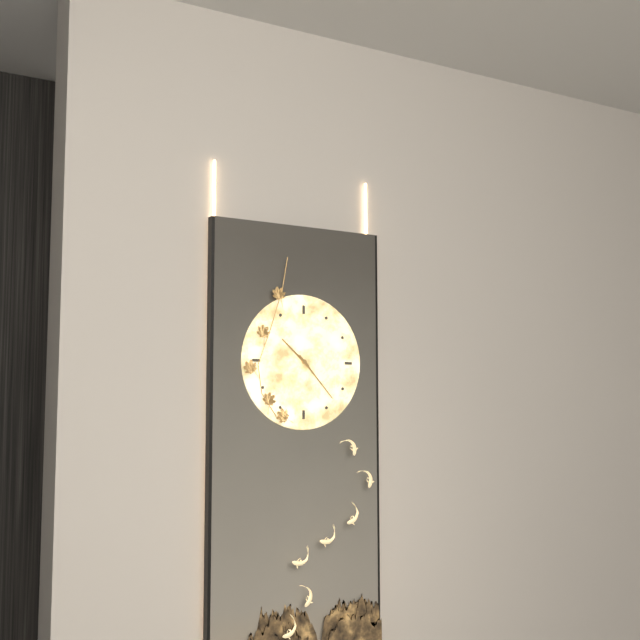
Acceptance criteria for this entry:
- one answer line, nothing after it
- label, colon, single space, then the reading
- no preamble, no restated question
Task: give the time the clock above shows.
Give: 10:23
